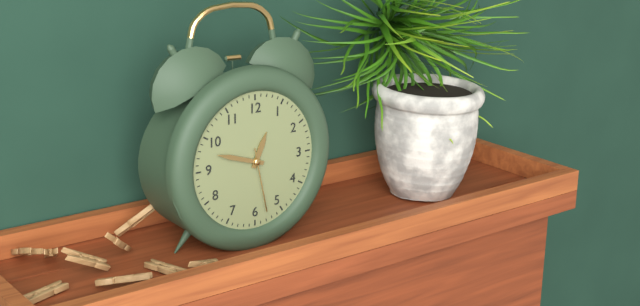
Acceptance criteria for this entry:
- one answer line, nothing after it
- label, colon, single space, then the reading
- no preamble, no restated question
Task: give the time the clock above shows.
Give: 12:48:28
